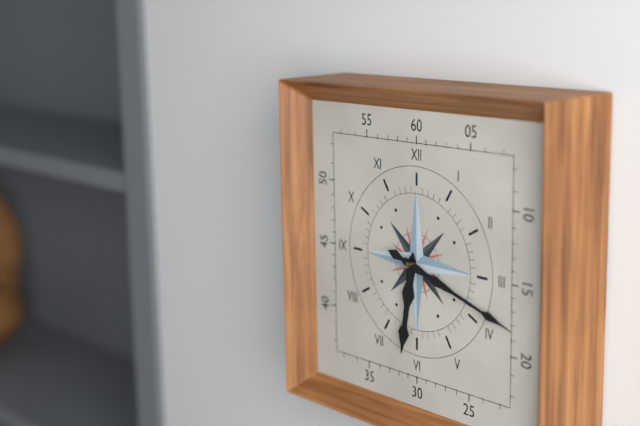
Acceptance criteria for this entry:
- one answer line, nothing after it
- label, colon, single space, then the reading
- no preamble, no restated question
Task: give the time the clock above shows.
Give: 6:18
